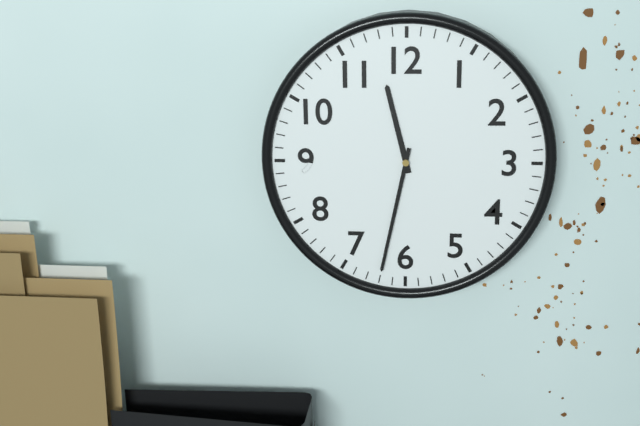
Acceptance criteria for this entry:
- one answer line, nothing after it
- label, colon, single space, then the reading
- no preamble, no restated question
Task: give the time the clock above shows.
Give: 11:32
